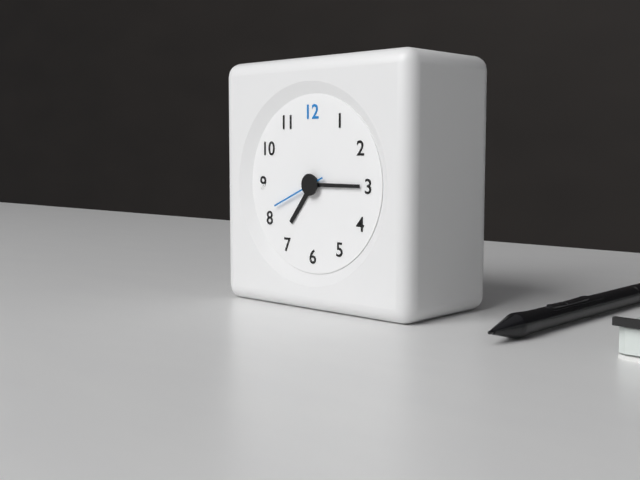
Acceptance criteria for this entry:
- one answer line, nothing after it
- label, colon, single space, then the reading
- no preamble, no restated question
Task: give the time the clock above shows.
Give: 7:15:41
